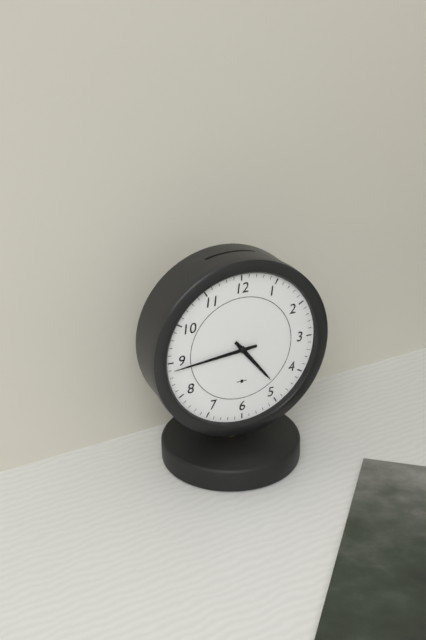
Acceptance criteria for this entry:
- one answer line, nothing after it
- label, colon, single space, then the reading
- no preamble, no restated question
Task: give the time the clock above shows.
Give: 4:44
